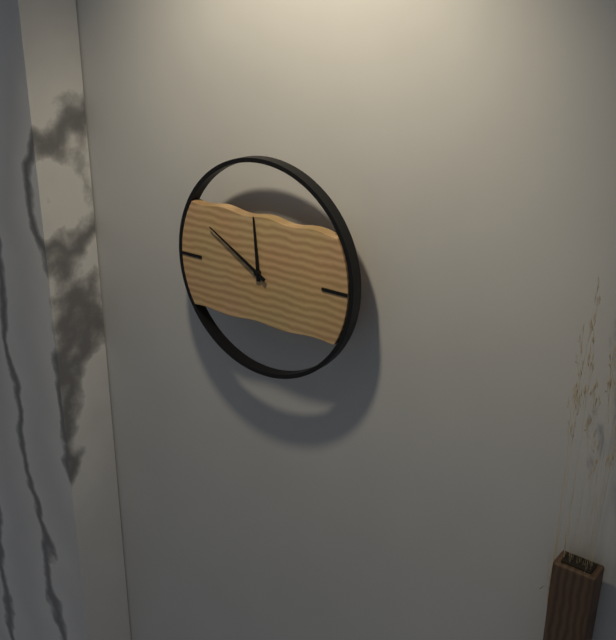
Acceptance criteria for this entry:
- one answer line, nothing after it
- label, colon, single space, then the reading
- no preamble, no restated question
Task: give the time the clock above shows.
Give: 11:50
